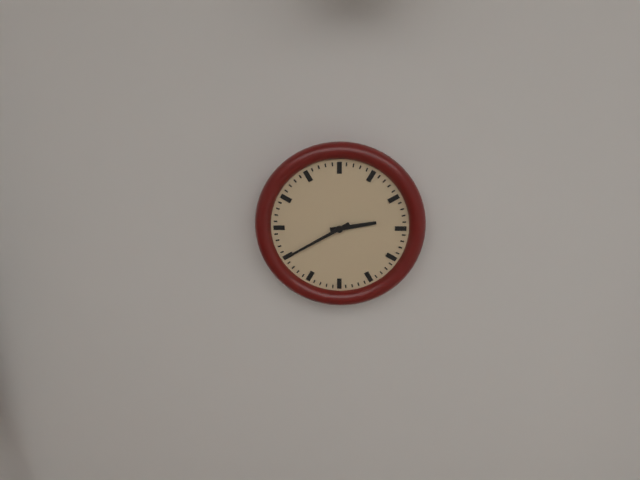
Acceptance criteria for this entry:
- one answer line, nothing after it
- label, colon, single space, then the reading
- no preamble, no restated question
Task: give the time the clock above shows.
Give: 2:40
